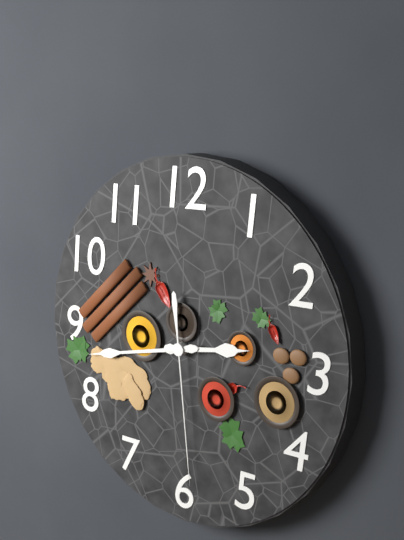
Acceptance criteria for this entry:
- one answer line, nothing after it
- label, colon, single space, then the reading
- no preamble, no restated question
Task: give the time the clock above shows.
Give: 2:43:29
